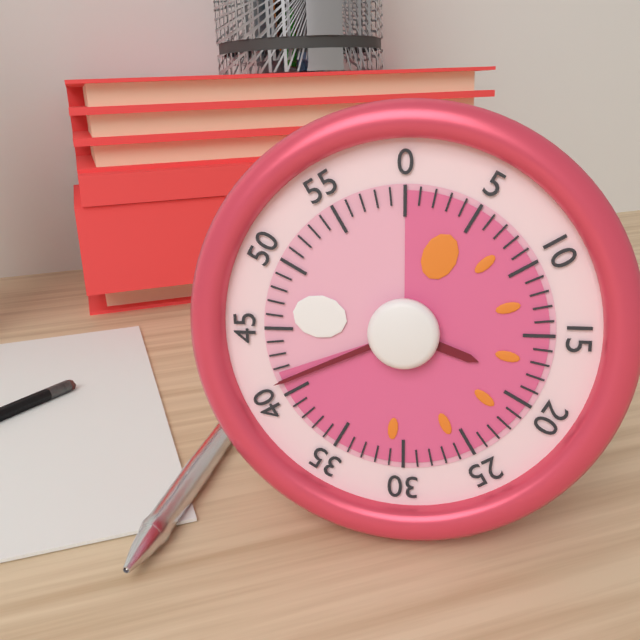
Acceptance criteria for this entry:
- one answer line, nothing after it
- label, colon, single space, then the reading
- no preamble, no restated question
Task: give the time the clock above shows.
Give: 3:41
